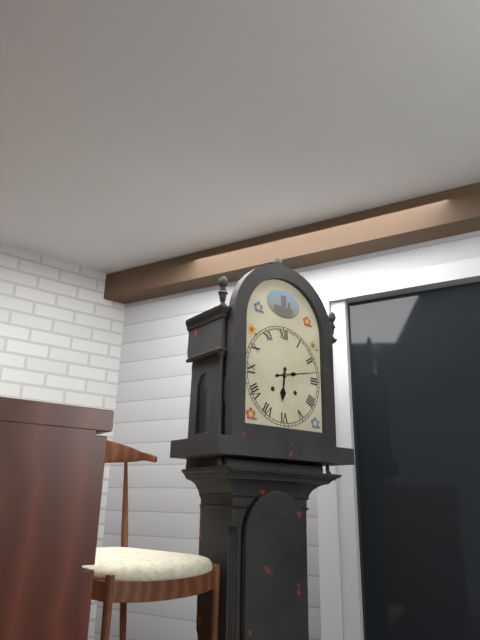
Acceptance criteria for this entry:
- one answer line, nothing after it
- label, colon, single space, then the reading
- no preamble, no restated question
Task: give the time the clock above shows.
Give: 6:13
